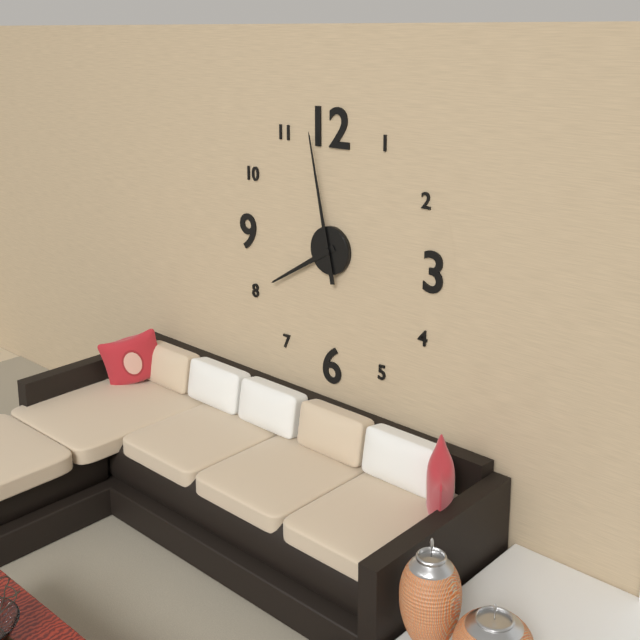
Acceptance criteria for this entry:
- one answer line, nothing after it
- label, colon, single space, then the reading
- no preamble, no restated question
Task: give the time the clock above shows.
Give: 7:58
